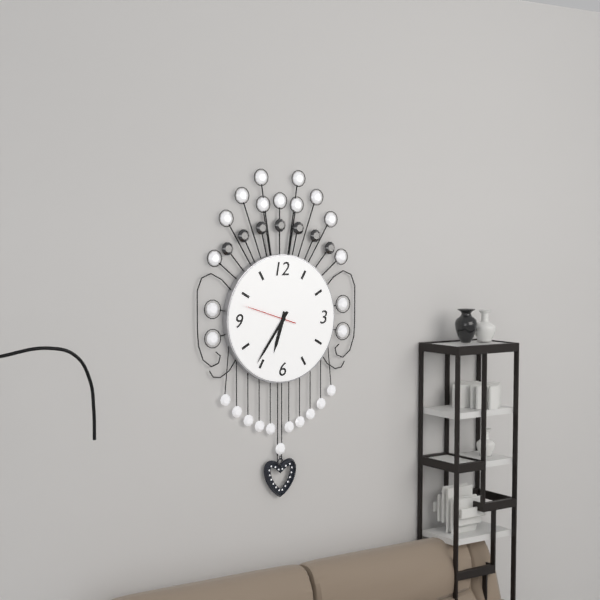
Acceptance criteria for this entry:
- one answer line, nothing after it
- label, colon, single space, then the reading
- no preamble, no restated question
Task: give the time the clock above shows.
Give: 6:36:48
